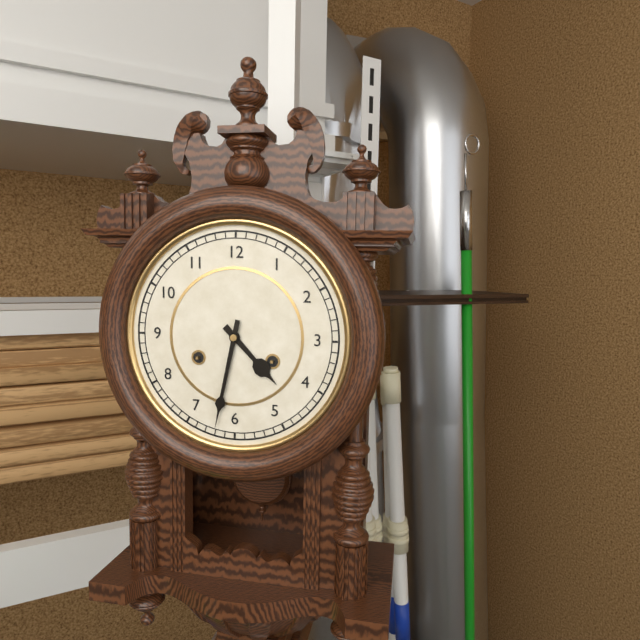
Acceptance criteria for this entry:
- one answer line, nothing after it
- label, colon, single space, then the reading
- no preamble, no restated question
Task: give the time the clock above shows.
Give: 4:32
